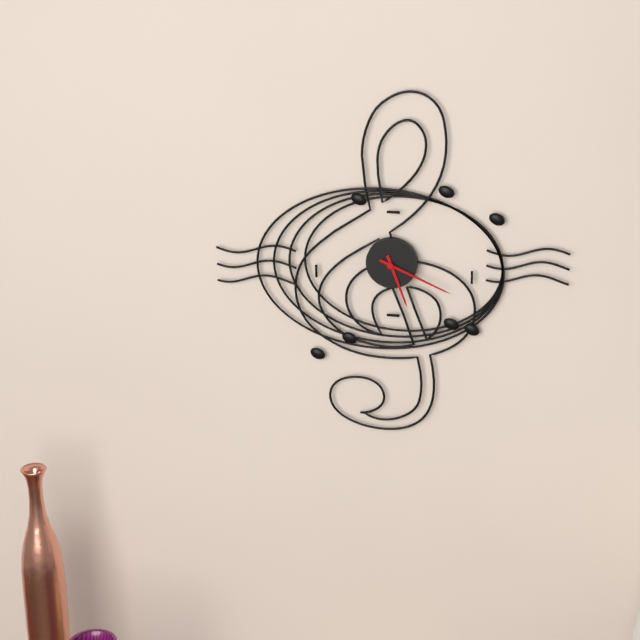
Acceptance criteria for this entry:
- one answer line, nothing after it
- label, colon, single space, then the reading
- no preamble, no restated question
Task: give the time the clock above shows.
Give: 5:19
